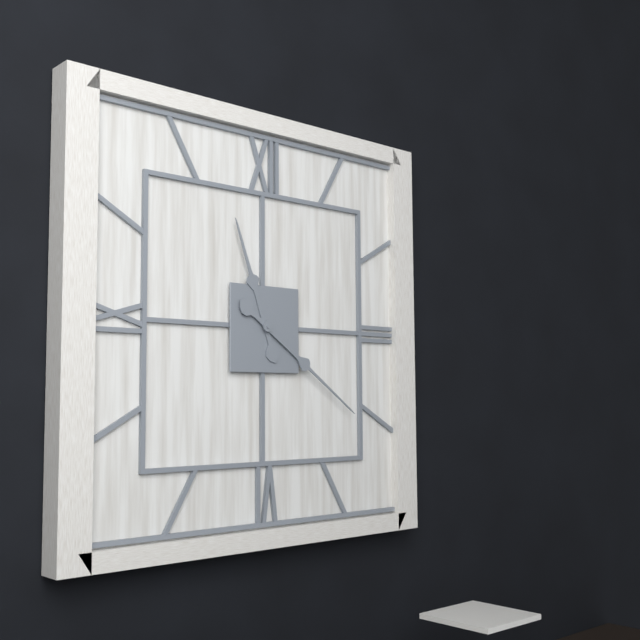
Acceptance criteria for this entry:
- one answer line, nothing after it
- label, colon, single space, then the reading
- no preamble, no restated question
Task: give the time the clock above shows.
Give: 11:21
